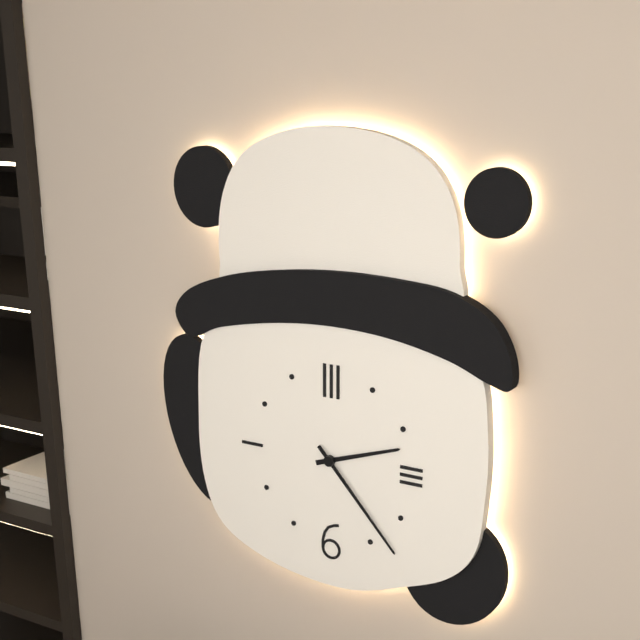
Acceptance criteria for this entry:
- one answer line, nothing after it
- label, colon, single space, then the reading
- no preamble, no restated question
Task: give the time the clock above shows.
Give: 2:23
